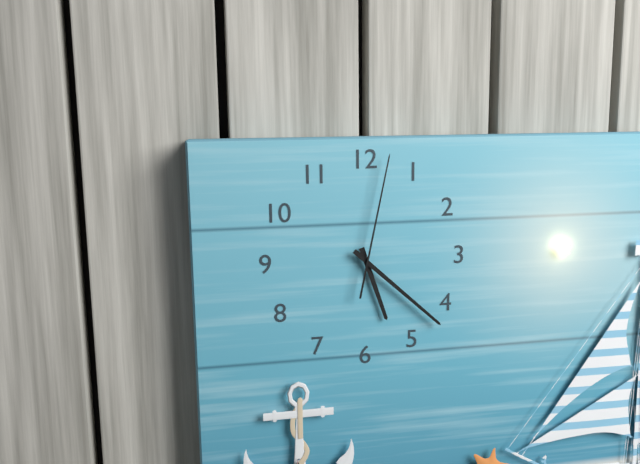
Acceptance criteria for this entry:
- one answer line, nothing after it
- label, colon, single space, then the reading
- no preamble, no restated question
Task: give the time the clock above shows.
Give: 5:22:02
